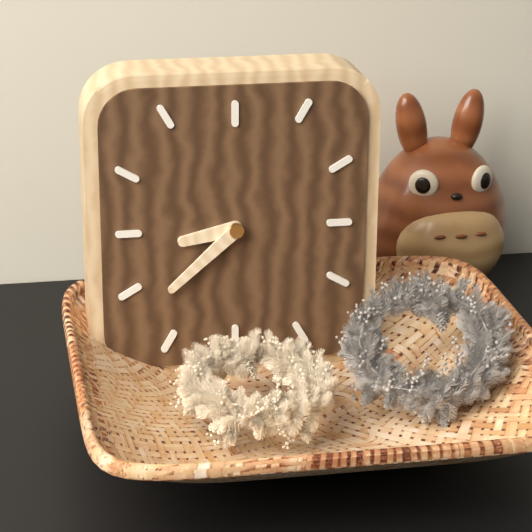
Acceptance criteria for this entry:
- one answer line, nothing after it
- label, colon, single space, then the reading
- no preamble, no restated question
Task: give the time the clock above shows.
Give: 8:38
